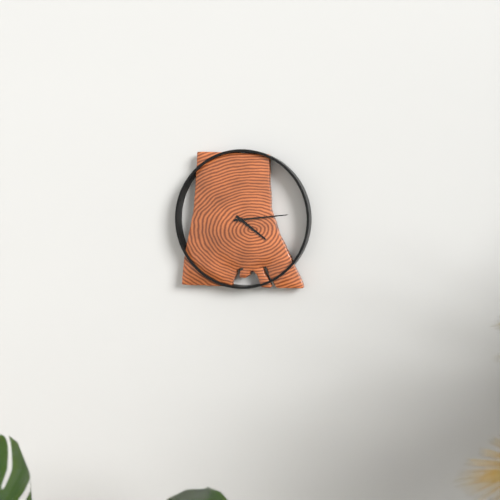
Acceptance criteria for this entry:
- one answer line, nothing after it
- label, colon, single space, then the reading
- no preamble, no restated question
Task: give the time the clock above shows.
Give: 4:14
